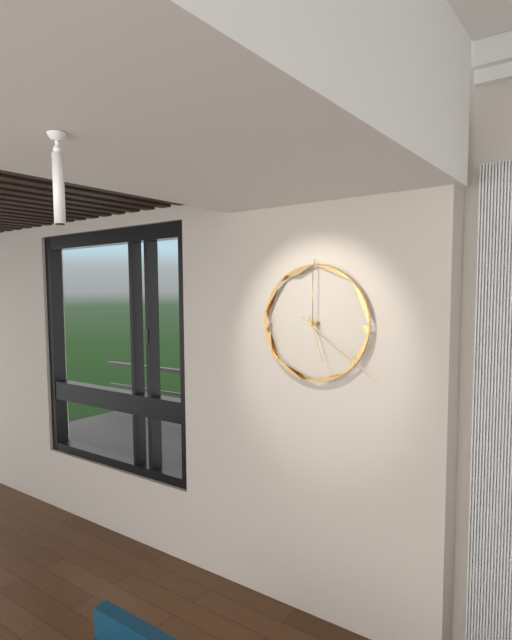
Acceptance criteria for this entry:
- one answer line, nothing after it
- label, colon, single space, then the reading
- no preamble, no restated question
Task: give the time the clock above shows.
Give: 5:21
